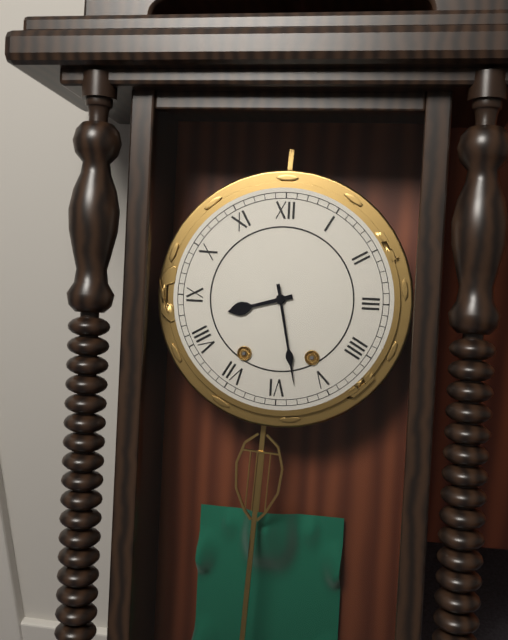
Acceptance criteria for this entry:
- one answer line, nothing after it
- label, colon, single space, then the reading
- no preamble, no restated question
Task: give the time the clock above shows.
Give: 8:28
